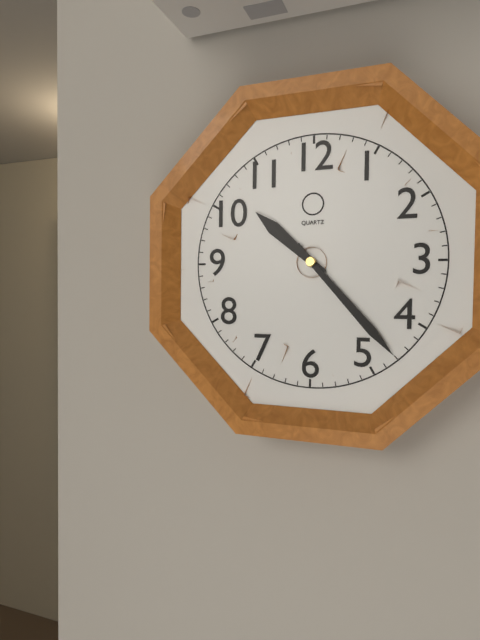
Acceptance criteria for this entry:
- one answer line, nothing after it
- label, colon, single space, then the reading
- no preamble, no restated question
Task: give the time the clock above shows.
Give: 10:23
